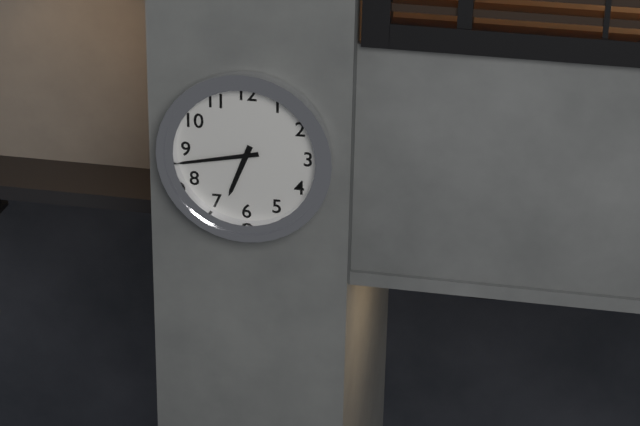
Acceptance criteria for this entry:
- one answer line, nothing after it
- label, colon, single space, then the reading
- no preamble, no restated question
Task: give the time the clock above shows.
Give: 6:43
